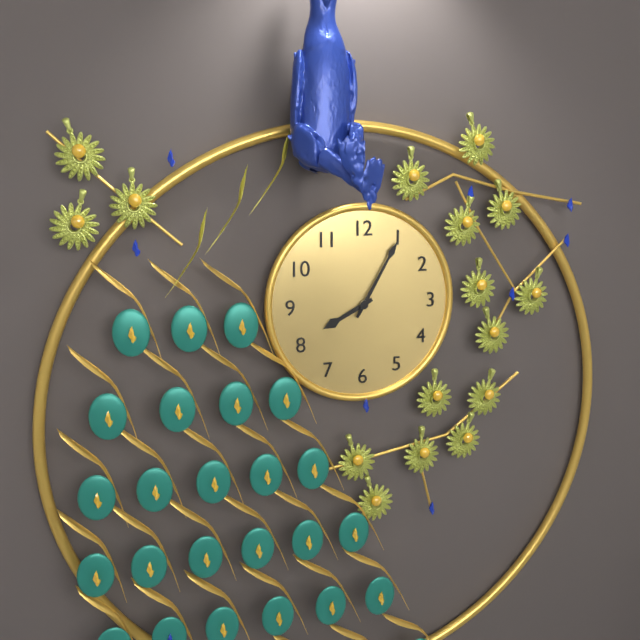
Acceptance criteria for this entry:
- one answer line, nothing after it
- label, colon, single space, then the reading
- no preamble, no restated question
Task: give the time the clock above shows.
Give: 8:05
